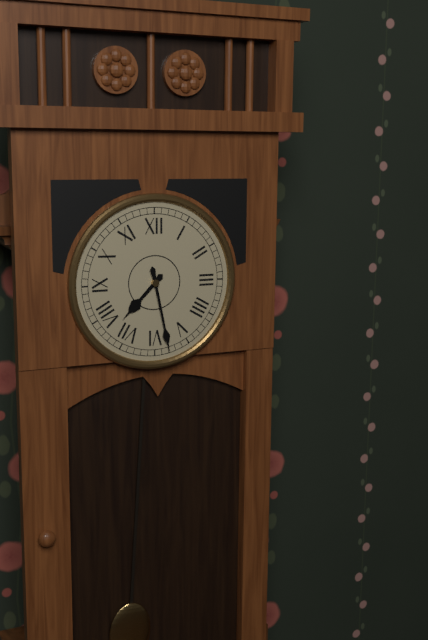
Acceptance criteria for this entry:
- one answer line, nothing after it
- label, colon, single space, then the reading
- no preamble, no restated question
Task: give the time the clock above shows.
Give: 7:28
